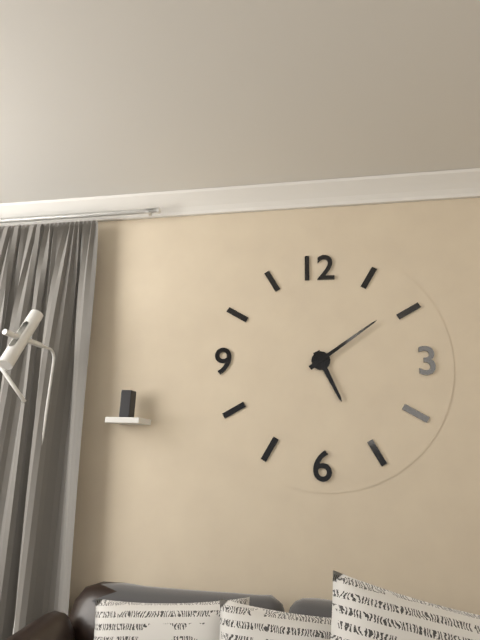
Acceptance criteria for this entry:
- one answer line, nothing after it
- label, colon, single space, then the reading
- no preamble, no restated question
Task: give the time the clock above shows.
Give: 5:09
